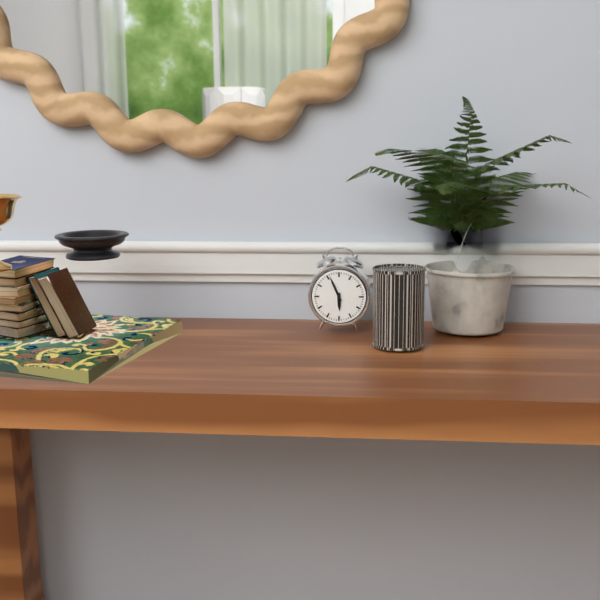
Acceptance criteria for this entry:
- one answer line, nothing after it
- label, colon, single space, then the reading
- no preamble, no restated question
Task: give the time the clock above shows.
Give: 5:56
